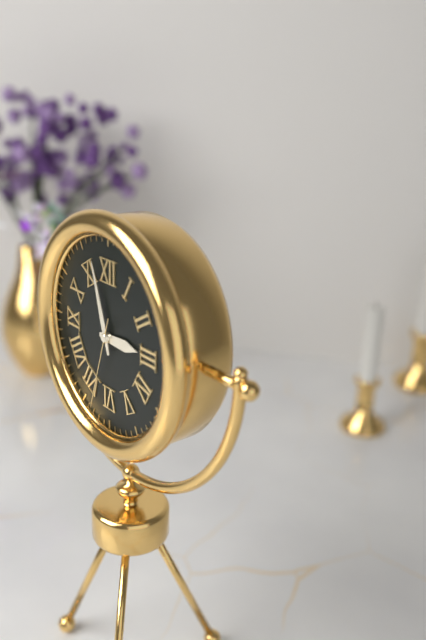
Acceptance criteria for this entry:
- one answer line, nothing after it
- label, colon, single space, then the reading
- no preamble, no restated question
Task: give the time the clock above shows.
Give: 2:57:33
